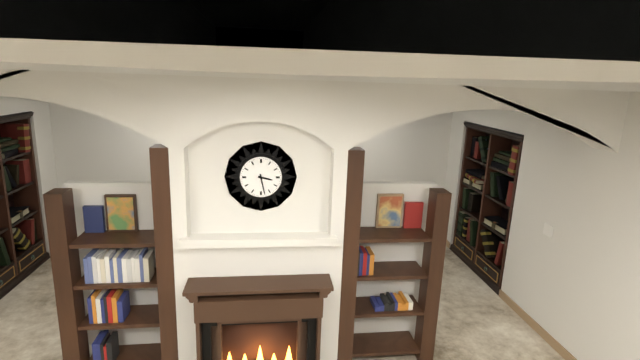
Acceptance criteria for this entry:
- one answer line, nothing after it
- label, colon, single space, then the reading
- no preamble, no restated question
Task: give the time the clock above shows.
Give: 3:28
